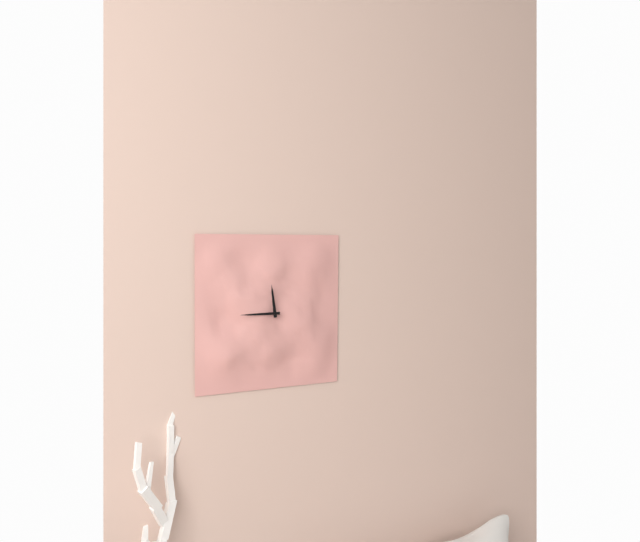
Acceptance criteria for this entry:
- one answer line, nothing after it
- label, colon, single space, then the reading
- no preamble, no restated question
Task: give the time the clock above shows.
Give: 11:45
